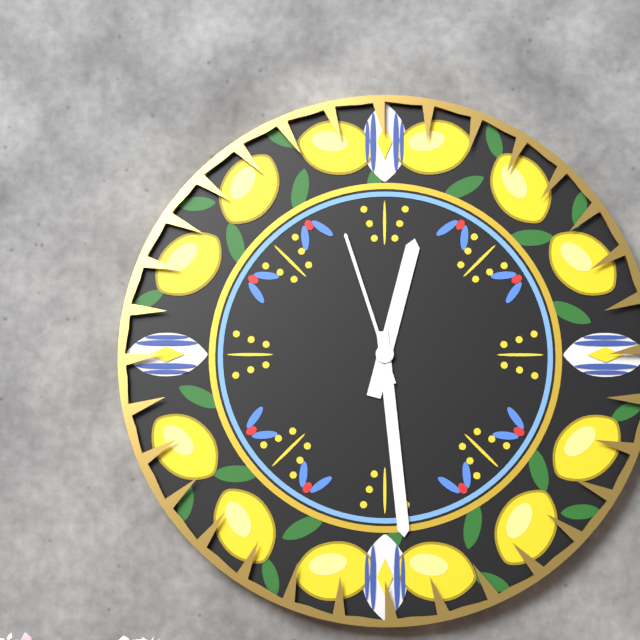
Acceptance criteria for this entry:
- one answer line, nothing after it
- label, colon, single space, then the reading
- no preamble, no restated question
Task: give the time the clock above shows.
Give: 12:29:57
